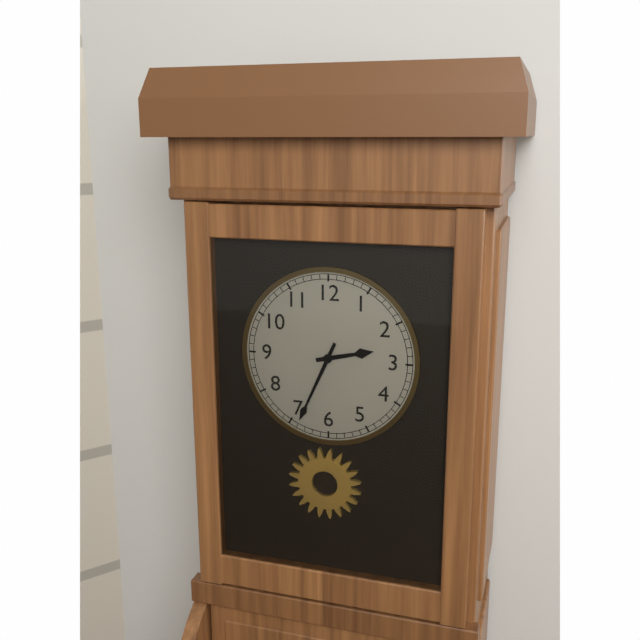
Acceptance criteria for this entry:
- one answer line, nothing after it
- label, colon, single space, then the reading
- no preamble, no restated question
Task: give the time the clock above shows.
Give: 2:34
